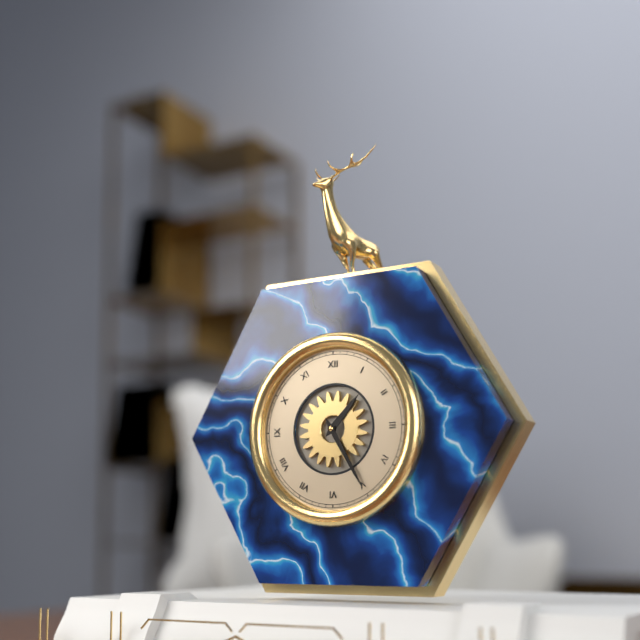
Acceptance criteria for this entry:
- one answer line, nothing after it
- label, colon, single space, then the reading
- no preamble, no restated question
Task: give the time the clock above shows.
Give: 1:25
